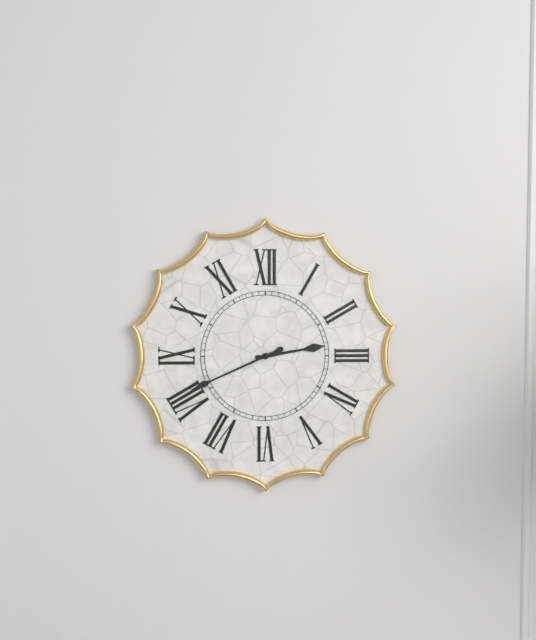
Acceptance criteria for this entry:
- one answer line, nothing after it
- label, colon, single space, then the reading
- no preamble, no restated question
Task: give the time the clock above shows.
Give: 2:41
